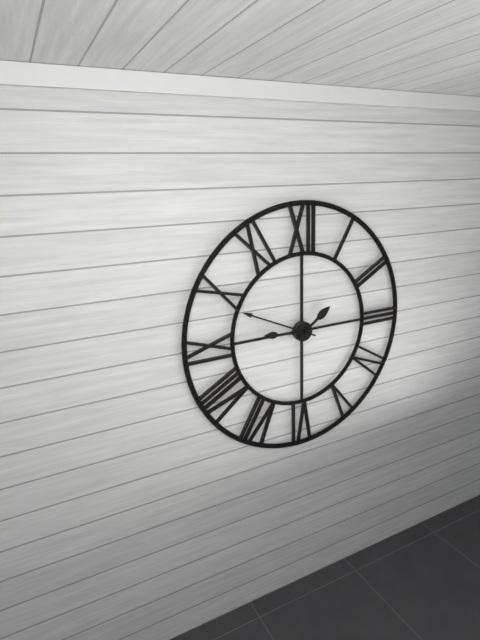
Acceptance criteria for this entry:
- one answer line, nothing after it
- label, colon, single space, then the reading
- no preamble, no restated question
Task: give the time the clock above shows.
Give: 1:49
